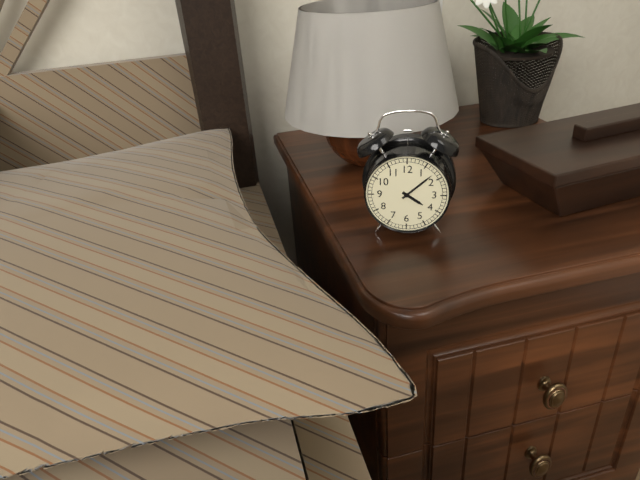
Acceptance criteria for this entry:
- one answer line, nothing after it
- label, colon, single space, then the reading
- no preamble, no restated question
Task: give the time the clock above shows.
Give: 4:08
